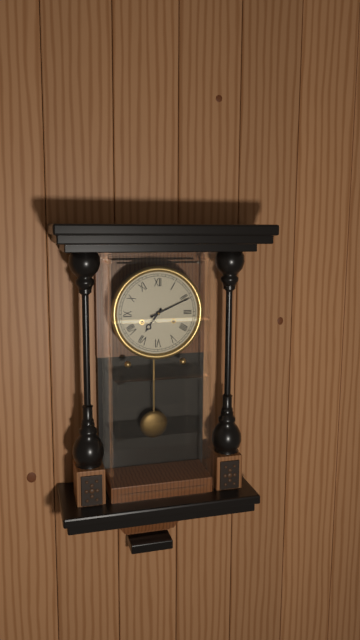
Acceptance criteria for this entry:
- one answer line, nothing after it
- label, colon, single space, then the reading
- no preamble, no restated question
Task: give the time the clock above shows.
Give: 7:11
